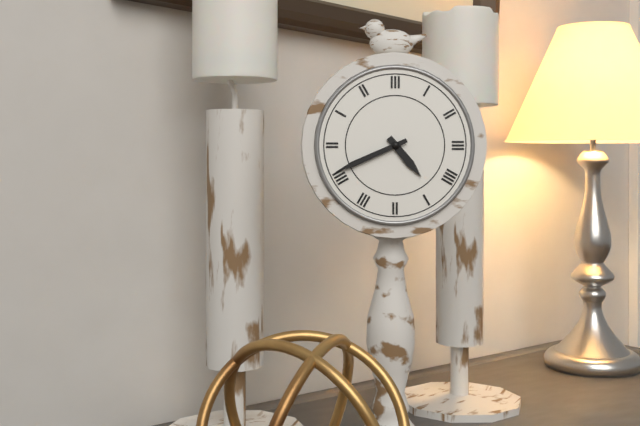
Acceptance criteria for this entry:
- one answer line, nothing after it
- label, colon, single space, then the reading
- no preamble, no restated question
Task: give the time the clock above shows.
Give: 4:41
